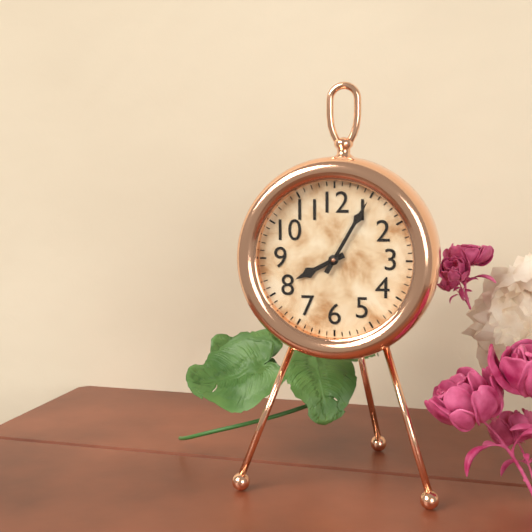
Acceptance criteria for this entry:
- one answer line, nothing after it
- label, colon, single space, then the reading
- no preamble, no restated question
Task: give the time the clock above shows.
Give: 8:05
